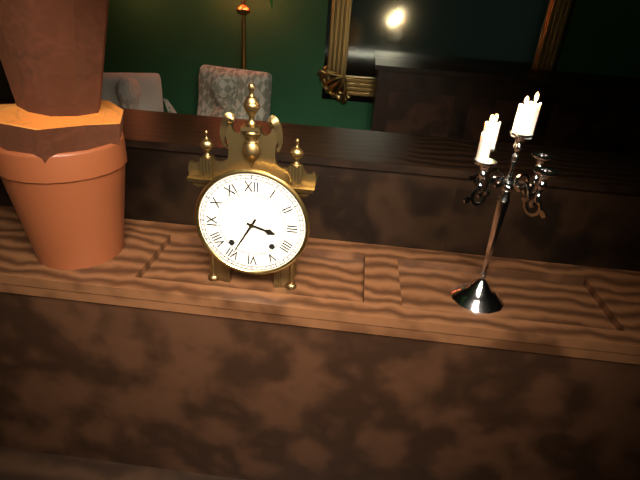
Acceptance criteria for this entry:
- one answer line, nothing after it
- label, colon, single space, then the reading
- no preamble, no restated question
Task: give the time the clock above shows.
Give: 3:35
